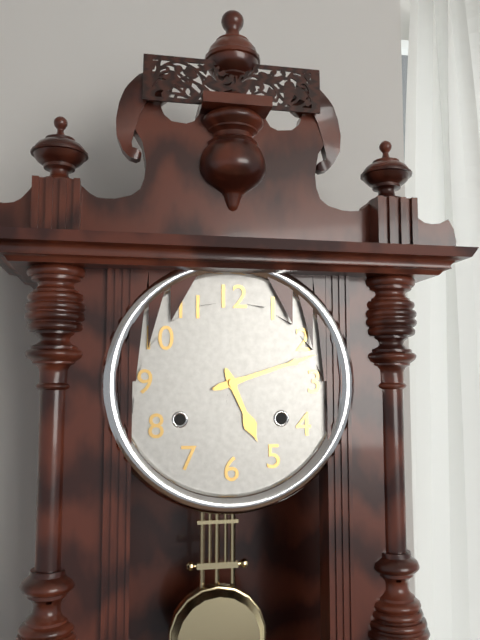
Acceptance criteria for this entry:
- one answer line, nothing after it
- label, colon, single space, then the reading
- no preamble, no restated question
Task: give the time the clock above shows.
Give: 5:12
